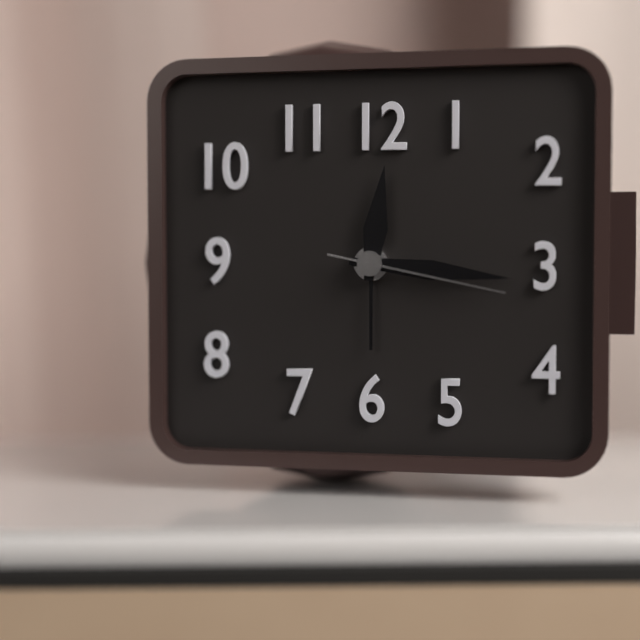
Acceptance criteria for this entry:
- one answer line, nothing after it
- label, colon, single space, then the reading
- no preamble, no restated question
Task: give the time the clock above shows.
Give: 12:16:17
